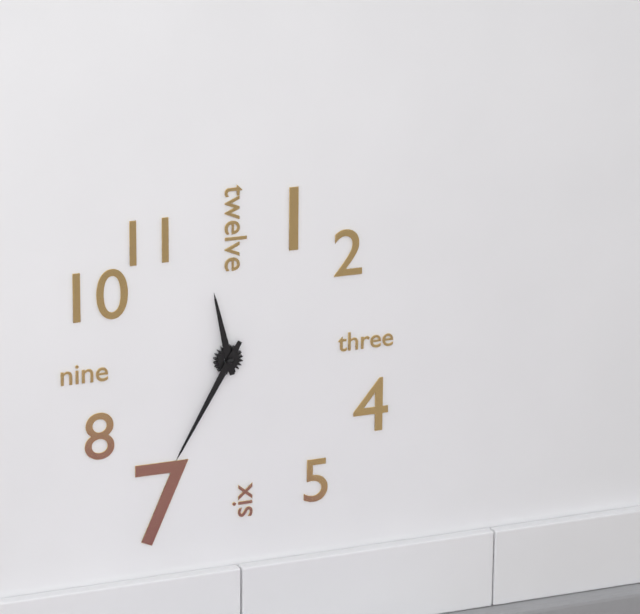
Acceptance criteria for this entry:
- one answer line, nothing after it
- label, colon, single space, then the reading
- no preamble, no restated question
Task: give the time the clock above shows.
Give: 11:35
